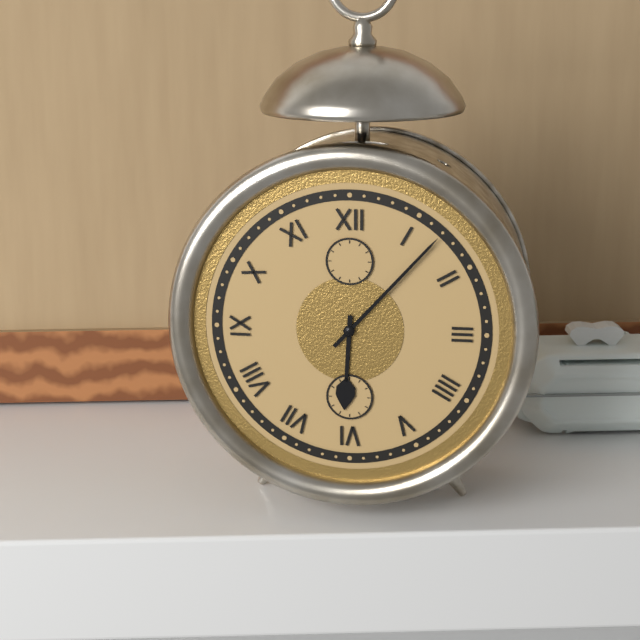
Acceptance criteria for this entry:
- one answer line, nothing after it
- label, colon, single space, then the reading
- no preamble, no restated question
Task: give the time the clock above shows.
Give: 6:07
